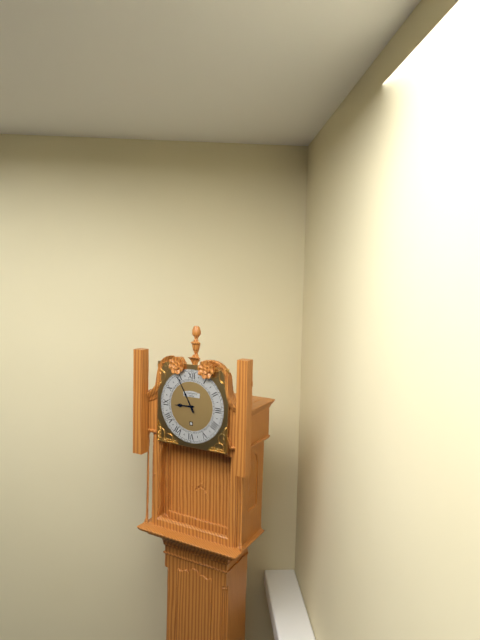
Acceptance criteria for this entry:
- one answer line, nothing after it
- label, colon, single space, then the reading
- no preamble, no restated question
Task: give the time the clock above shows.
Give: 8:55
